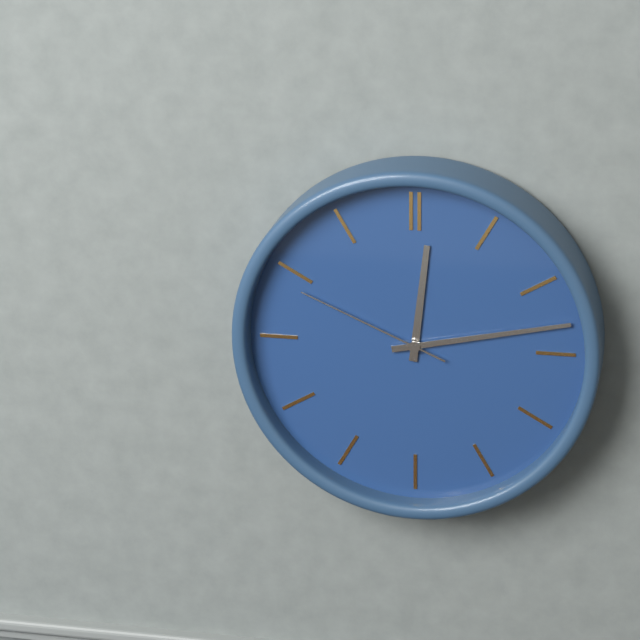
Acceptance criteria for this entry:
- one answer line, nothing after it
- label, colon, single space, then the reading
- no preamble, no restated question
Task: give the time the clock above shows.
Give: 12:13:49
